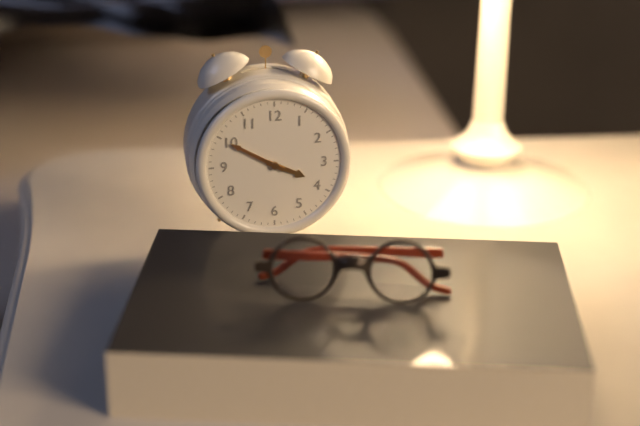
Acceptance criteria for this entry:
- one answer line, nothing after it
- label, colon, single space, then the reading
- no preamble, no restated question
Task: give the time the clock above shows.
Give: 3:50
